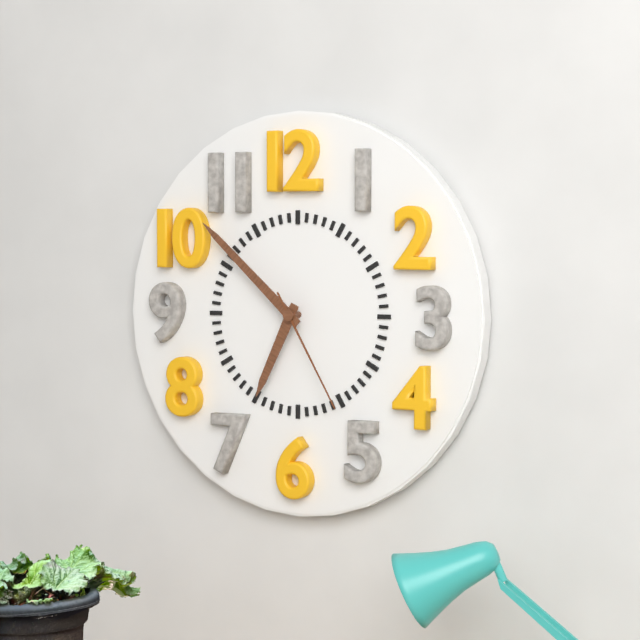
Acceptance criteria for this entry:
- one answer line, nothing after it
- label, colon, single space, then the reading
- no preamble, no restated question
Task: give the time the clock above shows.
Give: 6:52:25
